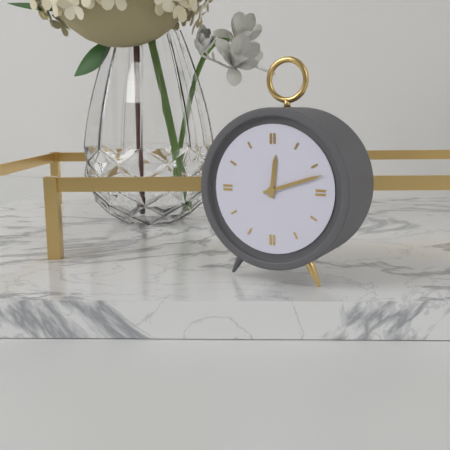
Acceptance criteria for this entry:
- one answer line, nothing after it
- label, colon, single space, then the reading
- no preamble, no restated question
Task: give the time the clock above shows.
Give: 12:12
